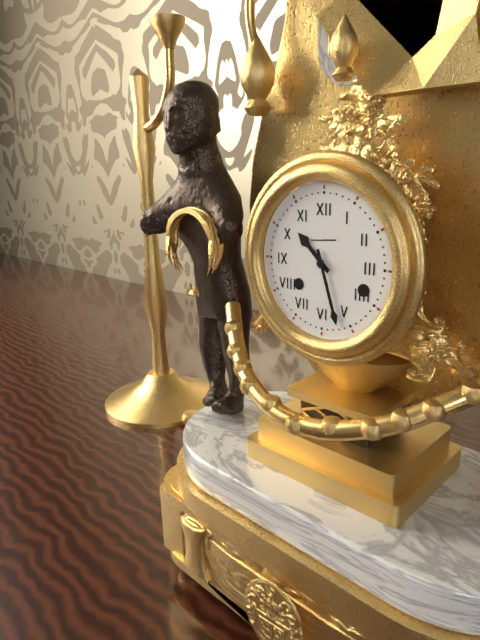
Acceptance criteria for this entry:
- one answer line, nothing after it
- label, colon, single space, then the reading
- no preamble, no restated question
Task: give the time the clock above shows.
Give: 10:27
